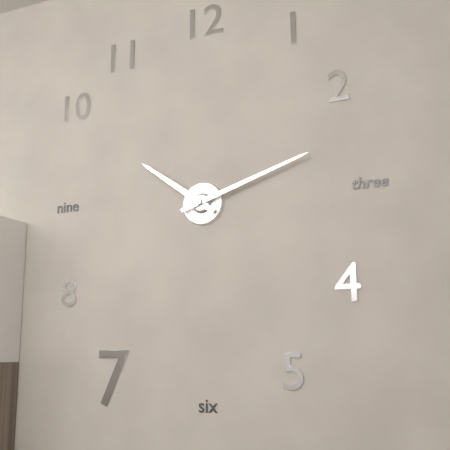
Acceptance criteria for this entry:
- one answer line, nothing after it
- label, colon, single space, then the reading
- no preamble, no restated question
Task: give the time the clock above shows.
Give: 10:12
